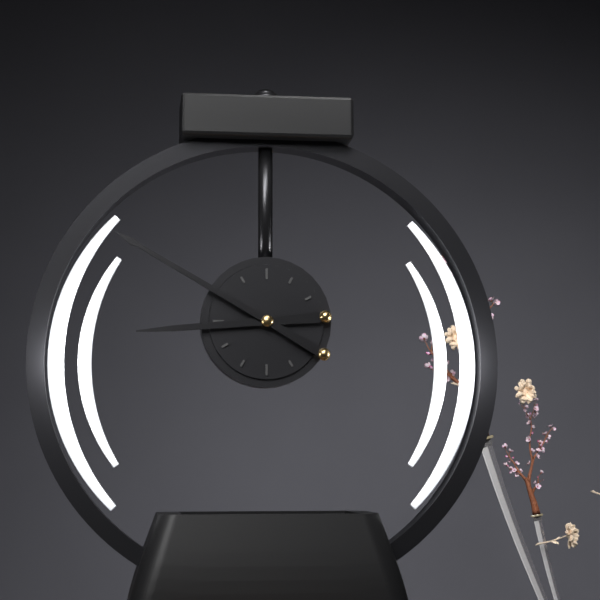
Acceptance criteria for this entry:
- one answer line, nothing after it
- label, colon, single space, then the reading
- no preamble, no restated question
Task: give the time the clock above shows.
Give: 8:50
